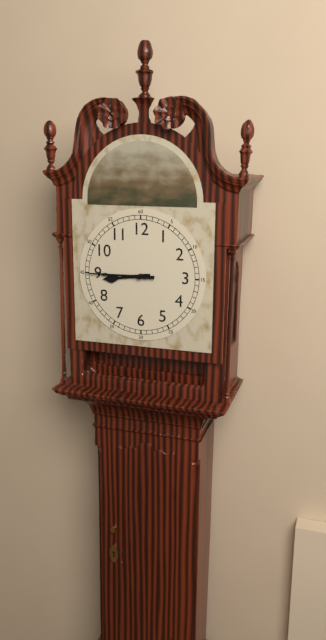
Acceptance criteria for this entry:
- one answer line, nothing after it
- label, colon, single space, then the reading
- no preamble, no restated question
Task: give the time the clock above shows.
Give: 8:45
